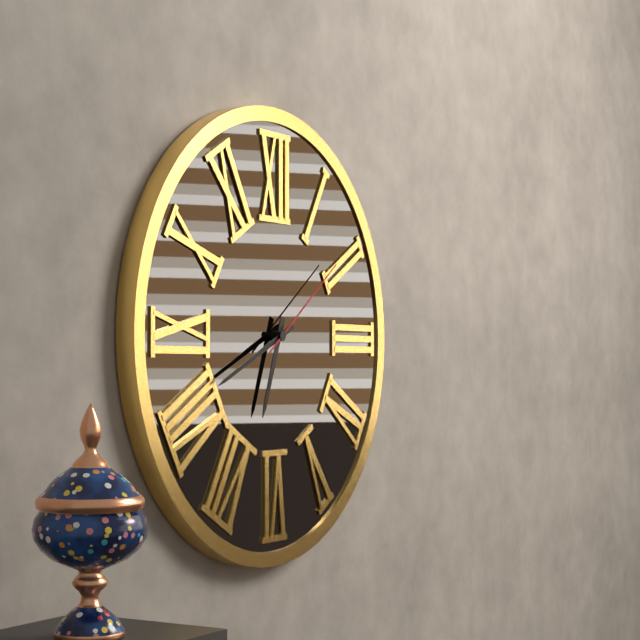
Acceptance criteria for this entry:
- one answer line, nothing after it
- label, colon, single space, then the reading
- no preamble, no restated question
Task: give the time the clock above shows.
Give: 6:41:09
